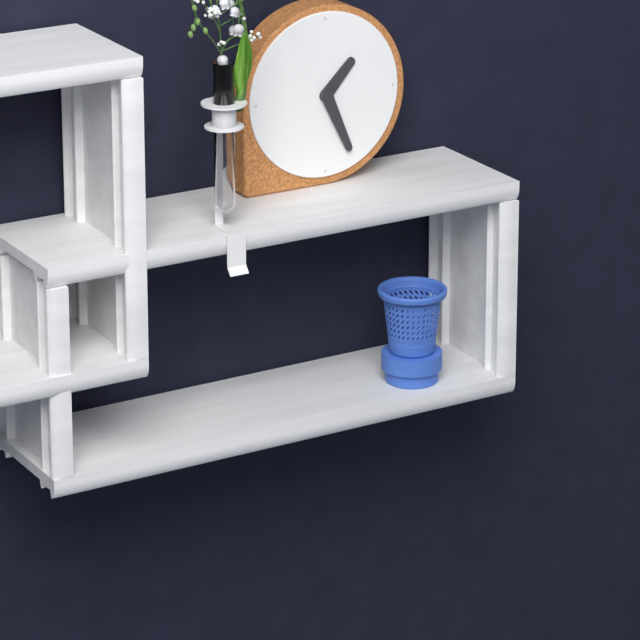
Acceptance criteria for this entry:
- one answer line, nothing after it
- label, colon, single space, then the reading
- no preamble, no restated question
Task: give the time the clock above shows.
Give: 1:26
